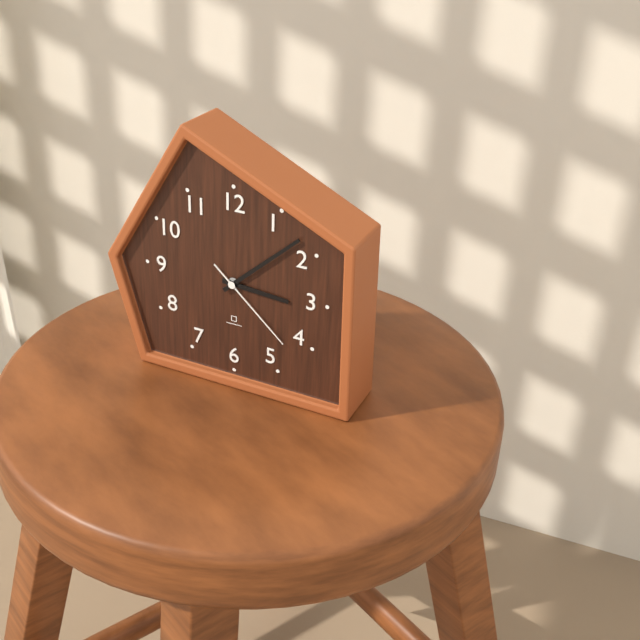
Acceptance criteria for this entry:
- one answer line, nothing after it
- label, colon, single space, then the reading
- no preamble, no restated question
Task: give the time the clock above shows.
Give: 3:08:22
